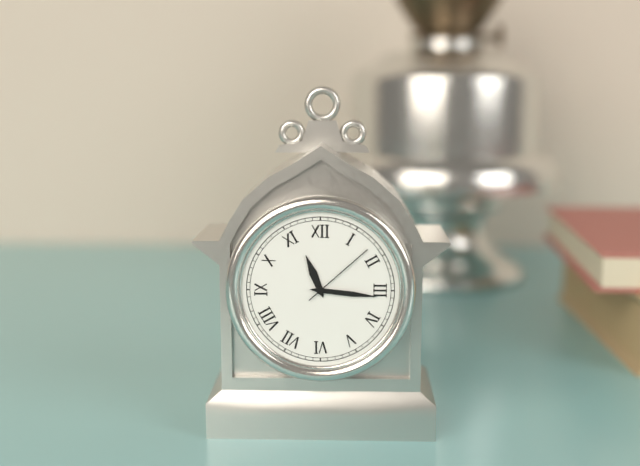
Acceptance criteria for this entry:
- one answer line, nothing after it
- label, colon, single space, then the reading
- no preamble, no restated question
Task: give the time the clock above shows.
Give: 11:16:08
